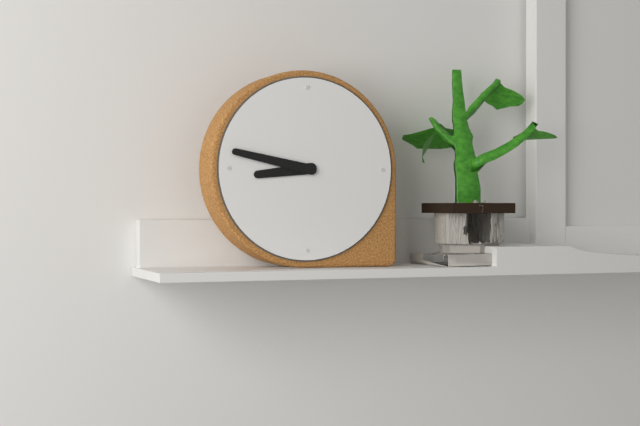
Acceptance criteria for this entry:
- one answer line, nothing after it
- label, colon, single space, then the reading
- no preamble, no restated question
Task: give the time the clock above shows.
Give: 8:47
